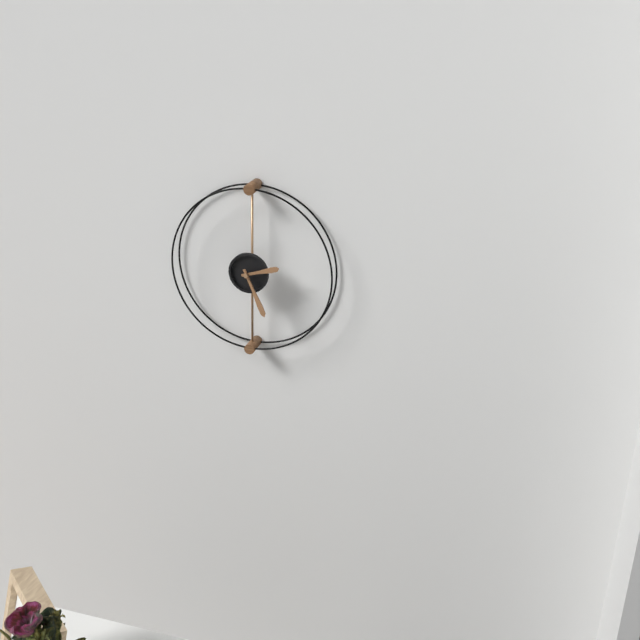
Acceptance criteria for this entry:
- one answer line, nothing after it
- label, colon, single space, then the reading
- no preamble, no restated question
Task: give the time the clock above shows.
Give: 2:26
